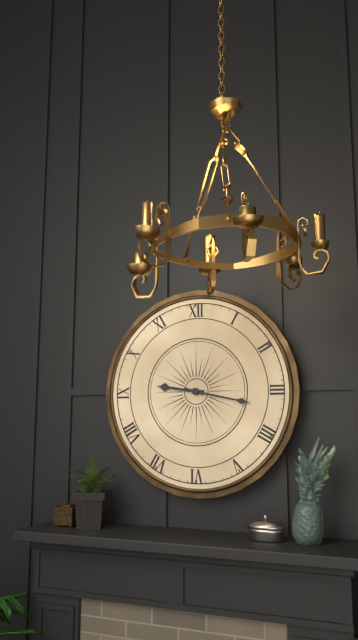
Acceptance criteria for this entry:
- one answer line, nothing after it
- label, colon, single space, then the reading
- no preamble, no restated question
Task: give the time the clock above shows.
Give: 9:17
